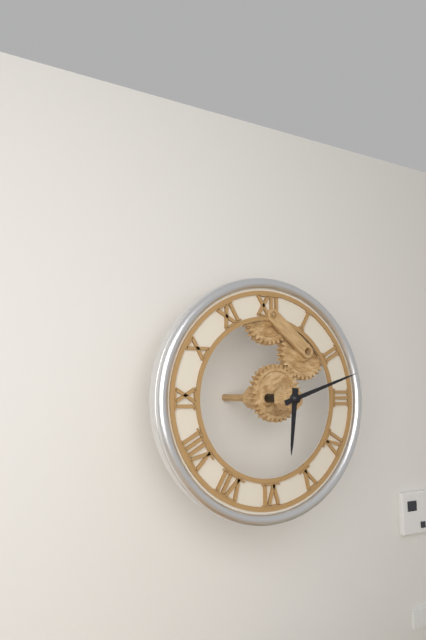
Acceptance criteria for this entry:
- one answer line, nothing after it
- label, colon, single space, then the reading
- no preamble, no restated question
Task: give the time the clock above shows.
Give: 6:12
